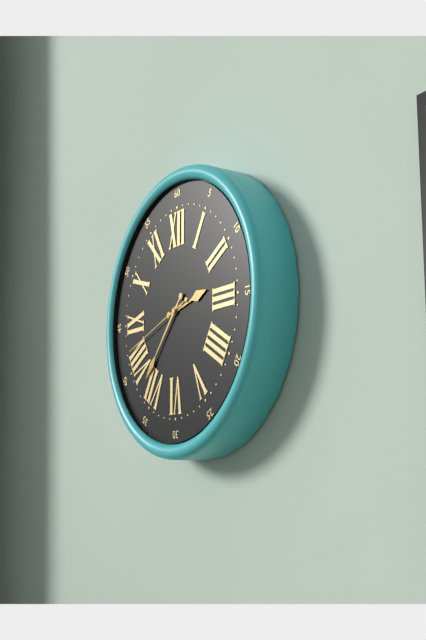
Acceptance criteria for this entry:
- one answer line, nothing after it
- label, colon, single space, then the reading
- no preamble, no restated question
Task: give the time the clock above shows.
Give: 2:37:42
